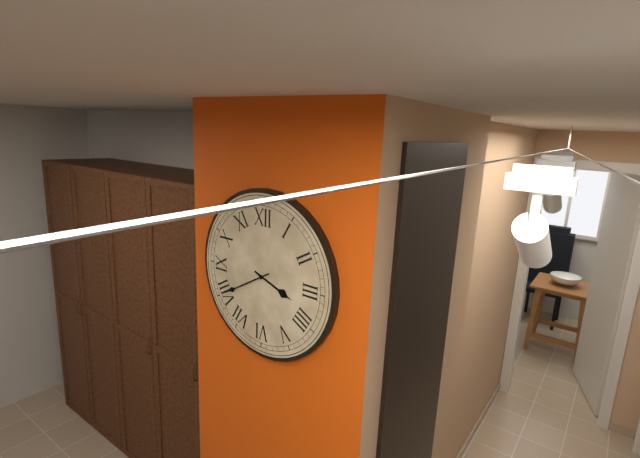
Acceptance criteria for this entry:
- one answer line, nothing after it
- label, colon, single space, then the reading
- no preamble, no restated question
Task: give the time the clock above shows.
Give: 3:40
